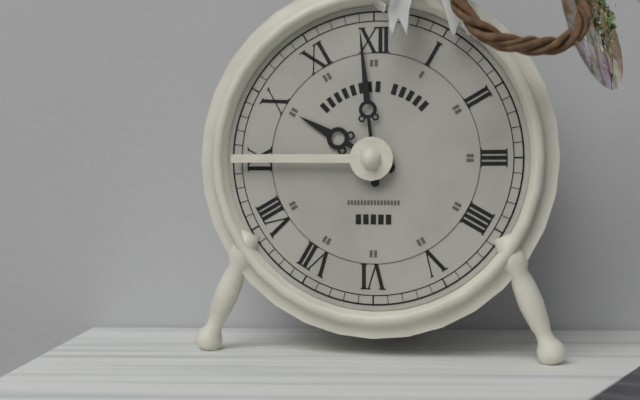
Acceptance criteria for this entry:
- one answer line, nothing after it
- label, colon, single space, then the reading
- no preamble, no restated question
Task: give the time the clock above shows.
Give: 9:59
